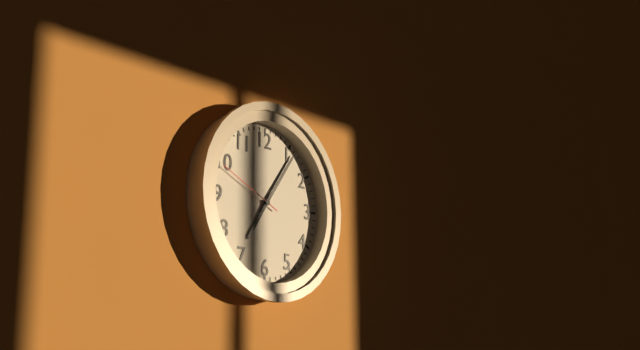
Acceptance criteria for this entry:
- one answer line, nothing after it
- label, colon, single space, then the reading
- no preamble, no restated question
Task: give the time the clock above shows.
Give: 7:06:49
